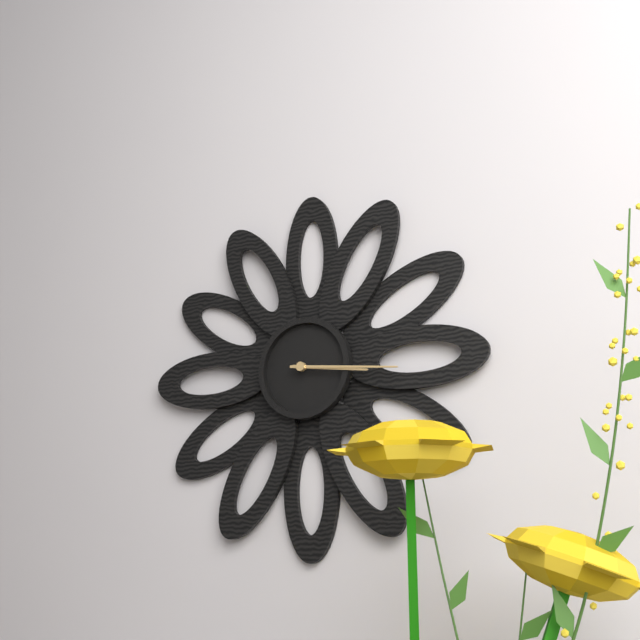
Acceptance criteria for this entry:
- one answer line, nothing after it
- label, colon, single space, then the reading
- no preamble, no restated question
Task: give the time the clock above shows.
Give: 3:16
